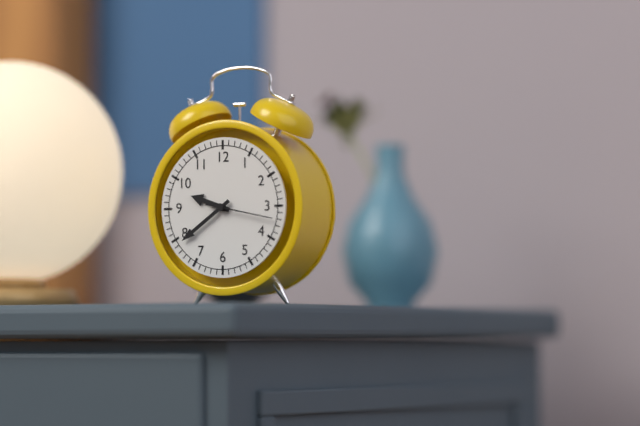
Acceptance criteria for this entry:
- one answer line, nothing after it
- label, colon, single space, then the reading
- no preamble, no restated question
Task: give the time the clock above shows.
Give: 9:39:17
